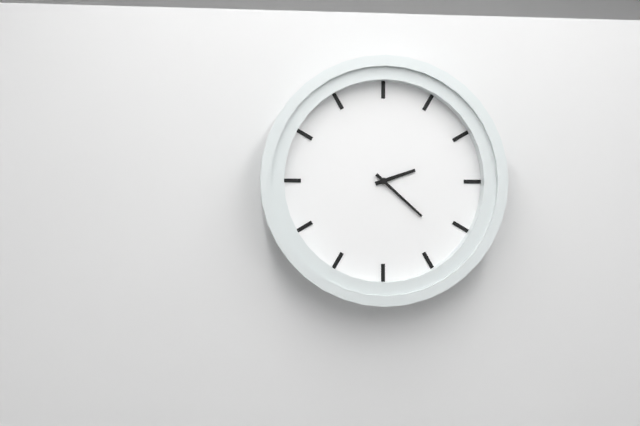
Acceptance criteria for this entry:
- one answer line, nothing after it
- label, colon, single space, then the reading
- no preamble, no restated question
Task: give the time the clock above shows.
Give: 2:22
